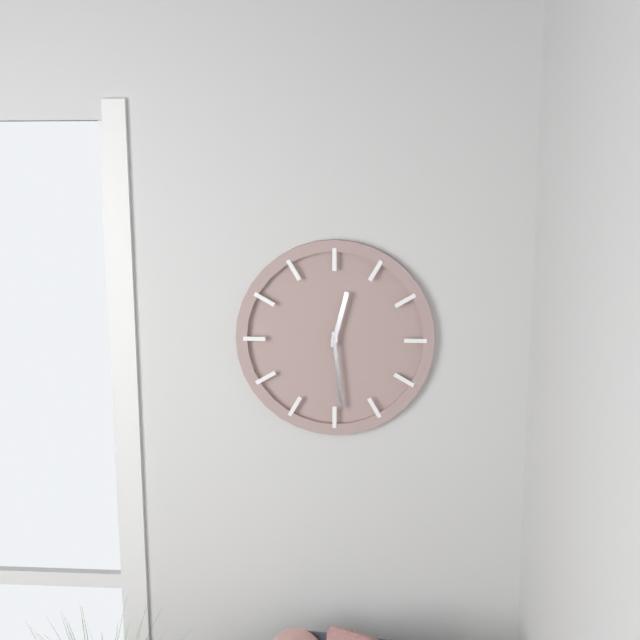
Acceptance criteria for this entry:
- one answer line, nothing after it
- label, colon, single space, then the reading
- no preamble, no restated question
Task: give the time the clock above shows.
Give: 12:29
